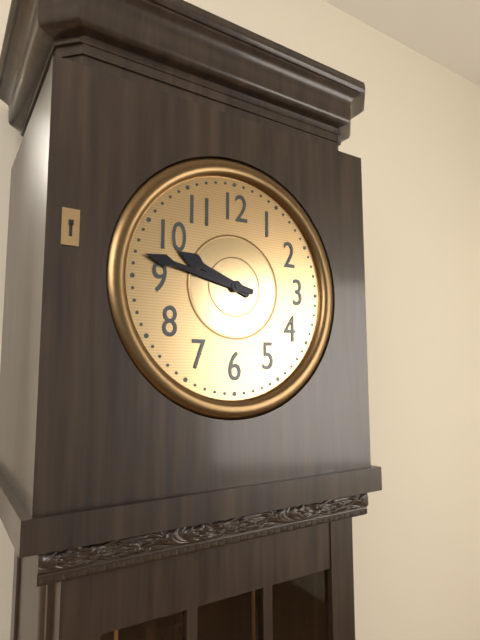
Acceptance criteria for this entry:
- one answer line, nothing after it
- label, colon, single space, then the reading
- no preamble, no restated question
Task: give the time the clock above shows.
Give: 9:47
